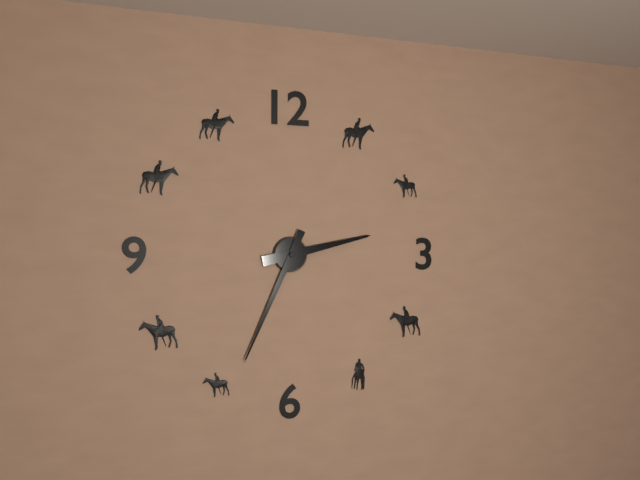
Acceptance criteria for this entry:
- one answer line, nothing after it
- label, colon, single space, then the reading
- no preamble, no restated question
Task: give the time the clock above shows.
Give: 2:34
